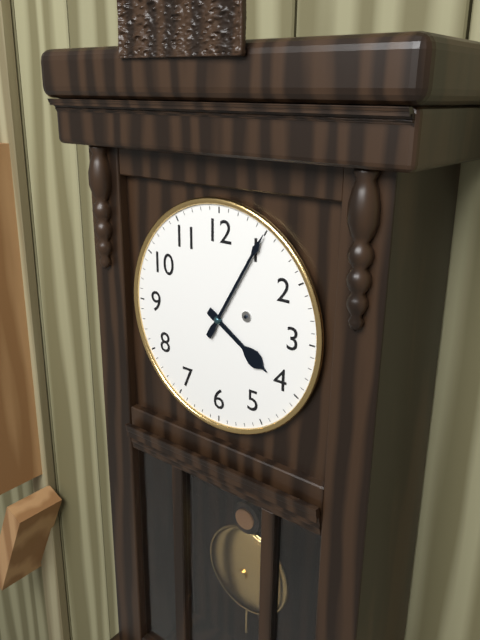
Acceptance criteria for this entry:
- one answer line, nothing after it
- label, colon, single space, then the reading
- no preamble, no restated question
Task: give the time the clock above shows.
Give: 4:05
